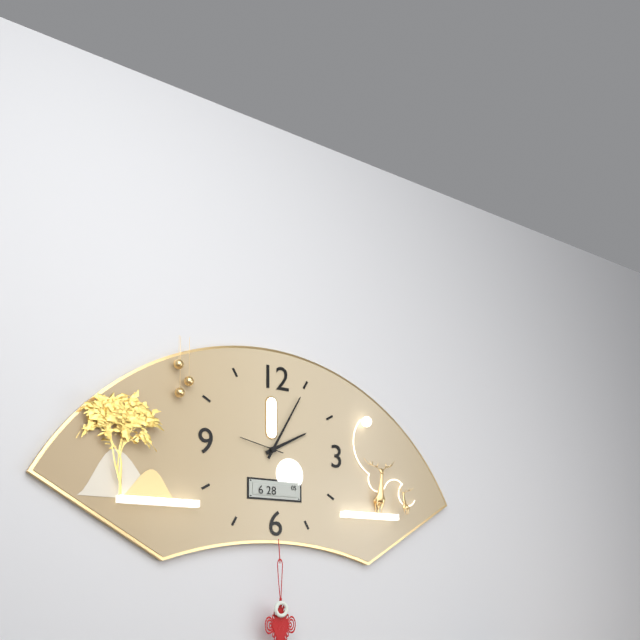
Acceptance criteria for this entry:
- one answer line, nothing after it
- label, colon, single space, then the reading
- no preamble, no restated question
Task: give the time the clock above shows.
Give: 2:05
